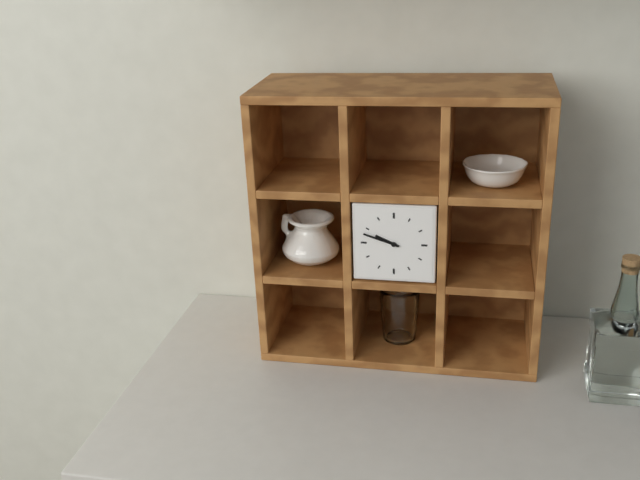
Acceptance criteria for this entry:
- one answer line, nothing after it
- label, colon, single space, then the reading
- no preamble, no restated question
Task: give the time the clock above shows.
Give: 9:48
